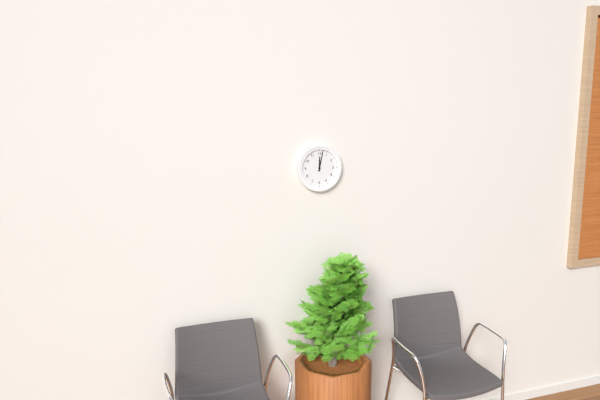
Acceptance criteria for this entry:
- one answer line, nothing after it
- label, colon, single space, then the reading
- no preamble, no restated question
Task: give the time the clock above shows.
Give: 12:02
